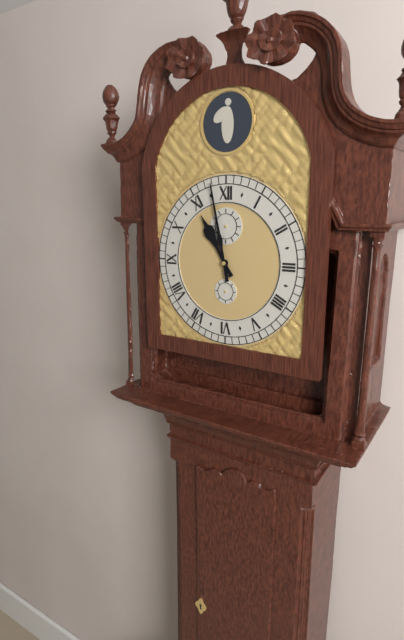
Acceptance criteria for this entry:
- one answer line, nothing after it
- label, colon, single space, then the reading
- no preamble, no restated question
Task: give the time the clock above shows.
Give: 10:58
